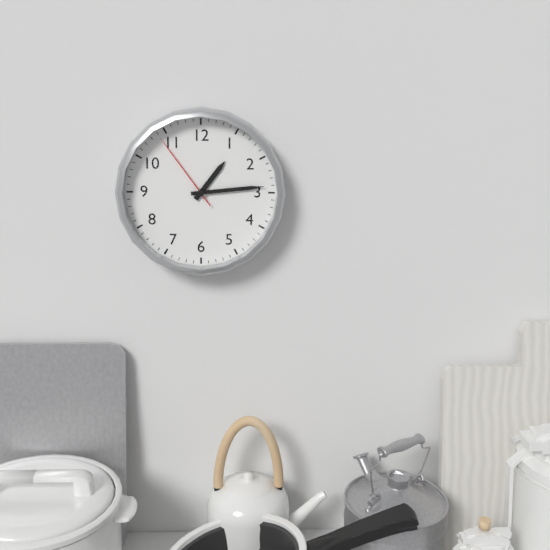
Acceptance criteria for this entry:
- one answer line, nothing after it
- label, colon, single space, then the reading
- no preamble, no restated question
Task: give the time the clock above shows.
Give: 1:14:54
